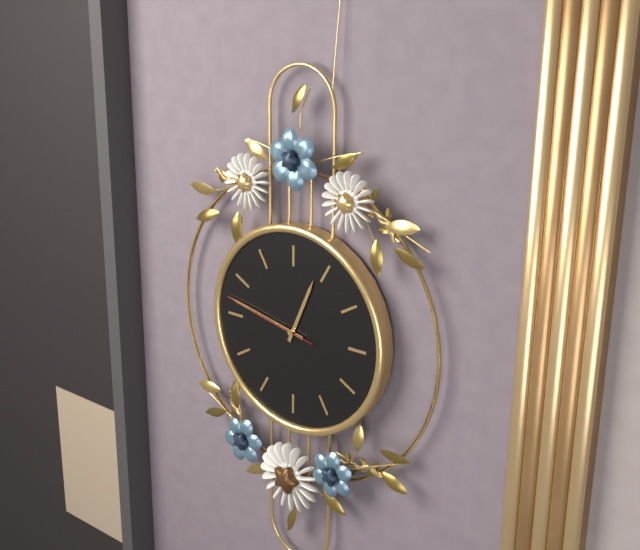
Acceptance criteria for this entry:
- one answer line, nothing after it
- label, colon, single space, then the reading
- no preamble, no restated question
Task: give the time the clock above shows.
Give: 12:47:47
